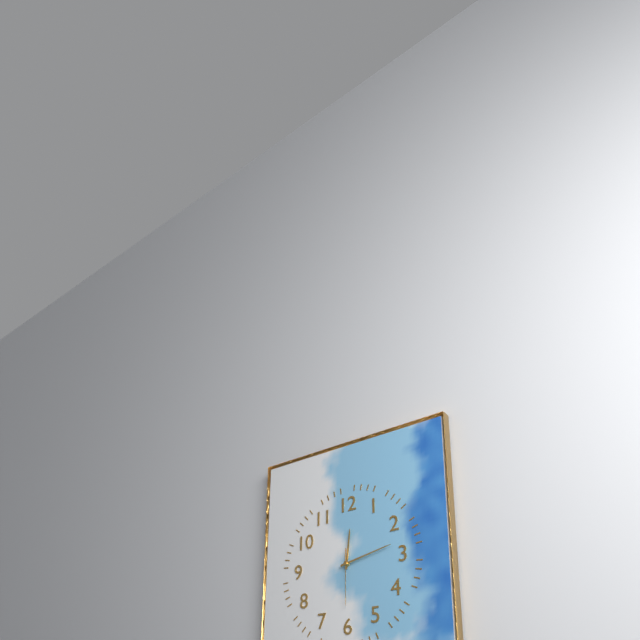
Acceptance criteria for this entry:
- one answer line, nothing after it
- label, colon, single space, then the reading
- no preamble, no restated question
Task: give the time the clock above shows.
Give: 12:13:30
